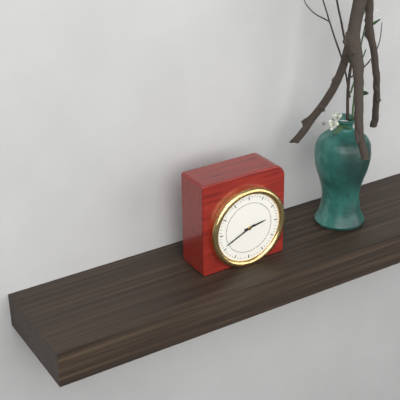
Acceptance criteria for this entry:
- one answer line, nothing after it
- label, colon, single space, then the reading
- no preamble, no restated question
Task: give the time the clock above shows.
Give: 2:41
